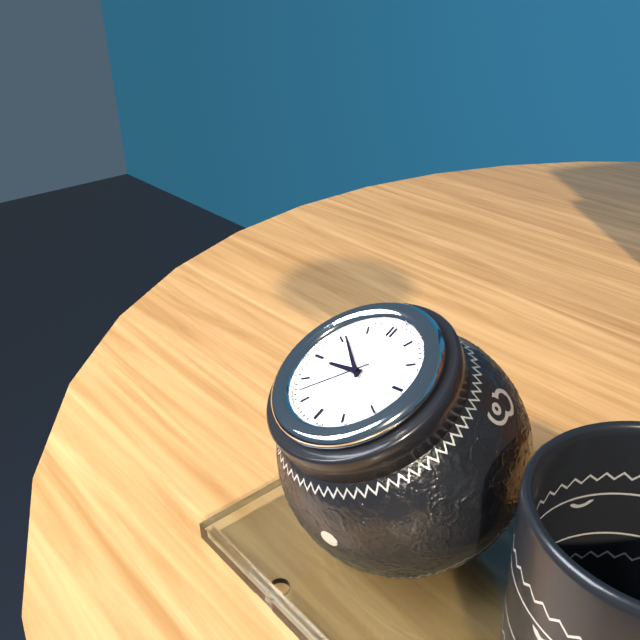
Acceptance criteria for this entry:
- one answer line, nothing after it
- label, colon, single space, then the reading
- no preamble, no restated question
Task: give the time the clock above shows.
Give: 8:51:37
